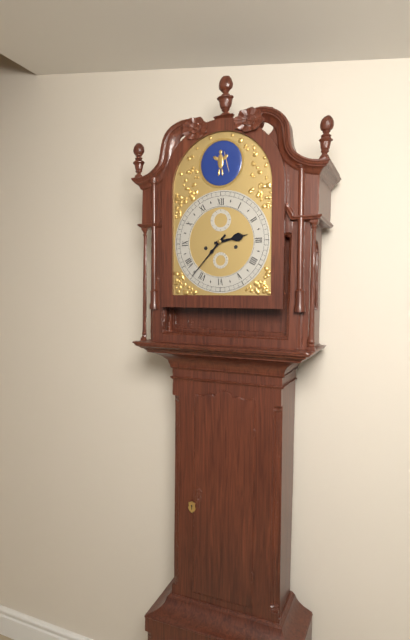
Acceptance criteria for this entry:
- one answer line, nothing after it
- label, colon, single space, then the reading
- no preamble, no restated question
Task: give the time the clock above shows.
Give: 2:37
